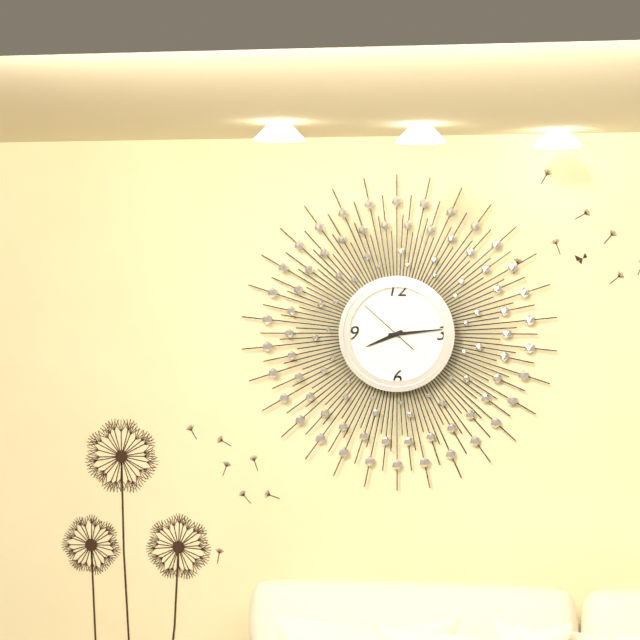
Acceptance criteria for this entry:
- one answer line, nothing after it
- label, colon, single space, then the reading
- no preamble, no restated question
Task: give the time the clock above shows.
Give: 8:14:52
